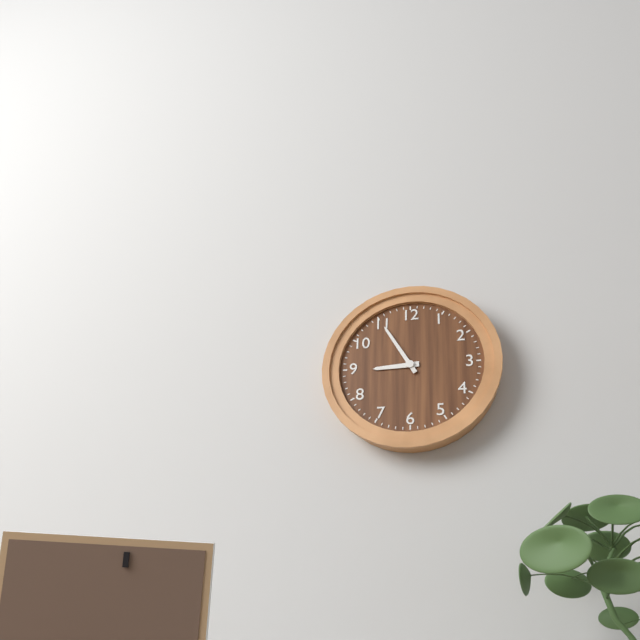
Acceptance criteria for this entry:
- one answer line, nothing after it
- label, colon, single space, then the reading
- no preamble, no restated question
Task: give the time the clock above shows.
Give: 8:55
